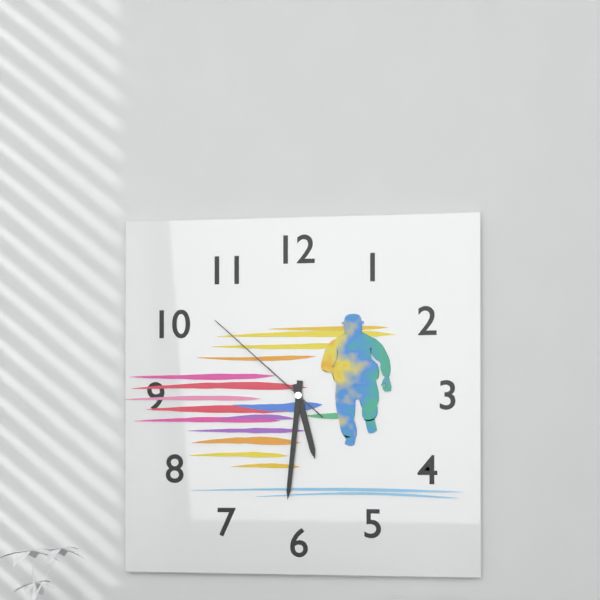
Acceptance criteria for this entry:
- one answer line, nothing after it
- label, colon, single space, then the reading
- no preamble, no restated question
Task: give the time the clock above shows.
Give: 5:31:52
